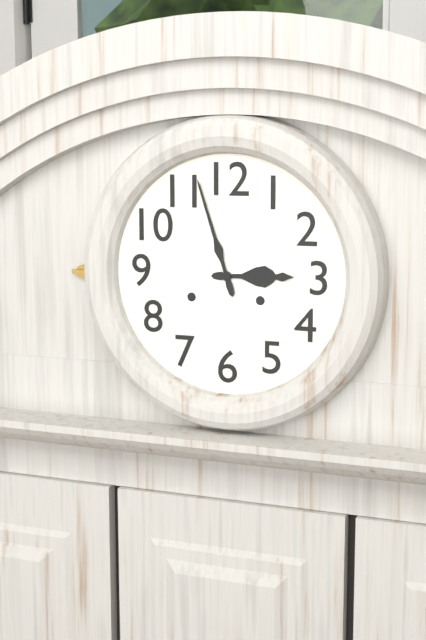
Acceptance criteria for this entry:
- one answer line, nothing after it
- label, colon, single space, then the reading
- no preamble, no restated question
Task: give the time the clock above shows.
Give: 2:57
